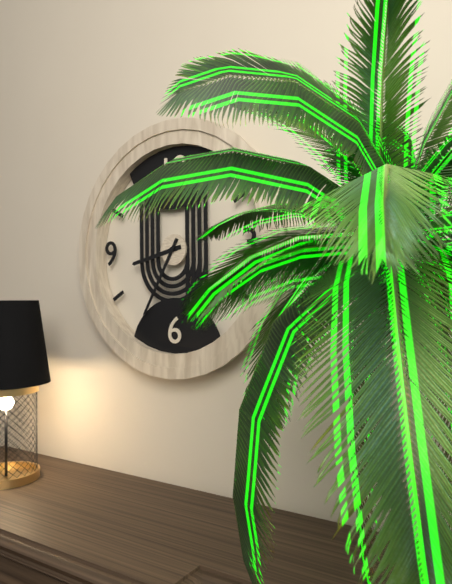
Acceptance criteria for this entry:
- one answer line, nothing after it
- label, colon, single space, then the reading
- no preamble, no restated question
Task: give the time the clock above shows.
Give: 8:35
